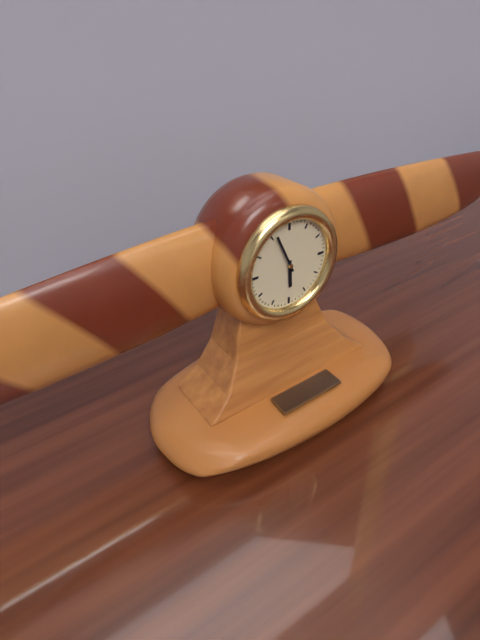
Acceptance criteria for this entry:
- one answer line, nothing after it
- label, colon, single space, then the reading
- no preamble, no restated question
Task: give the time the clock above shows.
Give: 5:56
